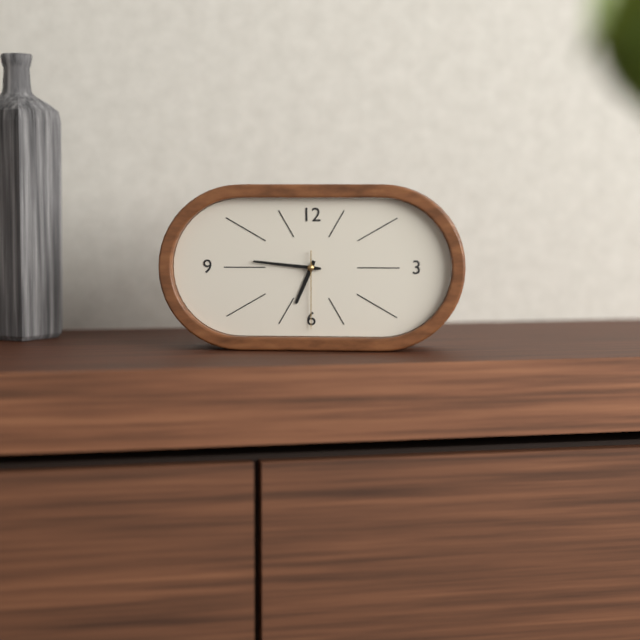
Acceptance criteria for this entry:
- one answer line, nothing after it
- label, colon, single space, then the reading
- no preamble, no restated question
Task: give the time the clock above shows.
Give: 6:46:30
